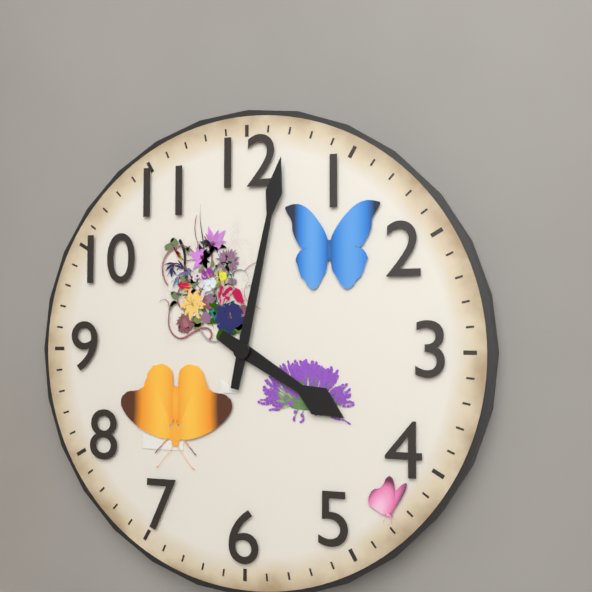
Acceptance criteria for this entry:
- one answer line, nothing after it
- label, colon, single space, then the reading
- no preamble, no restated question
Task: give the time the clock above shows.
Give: 4:02
